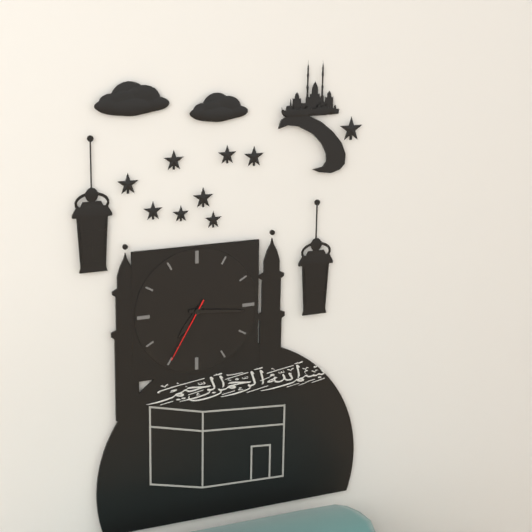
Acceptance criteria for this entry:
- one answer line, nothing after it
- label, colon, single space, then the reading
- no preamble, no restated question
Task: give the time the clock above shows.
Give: 7:16:35
